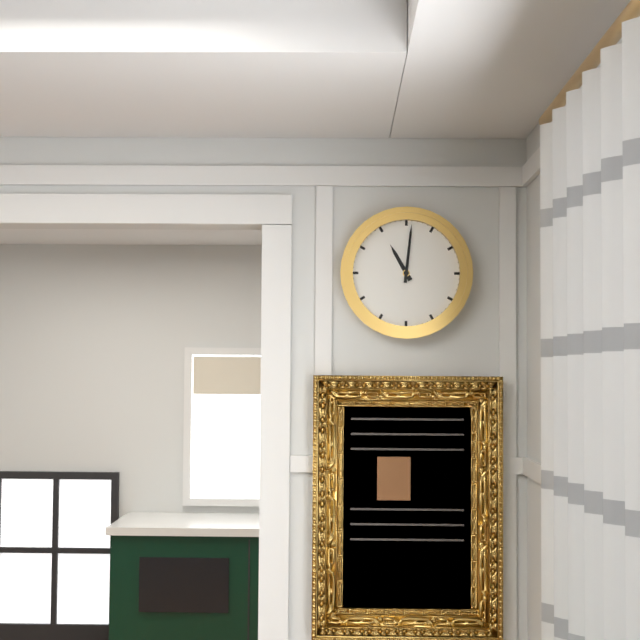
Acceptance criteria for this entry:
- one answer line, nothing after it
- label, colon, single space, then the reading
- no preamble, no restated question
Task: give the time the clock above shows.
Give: 11:01
